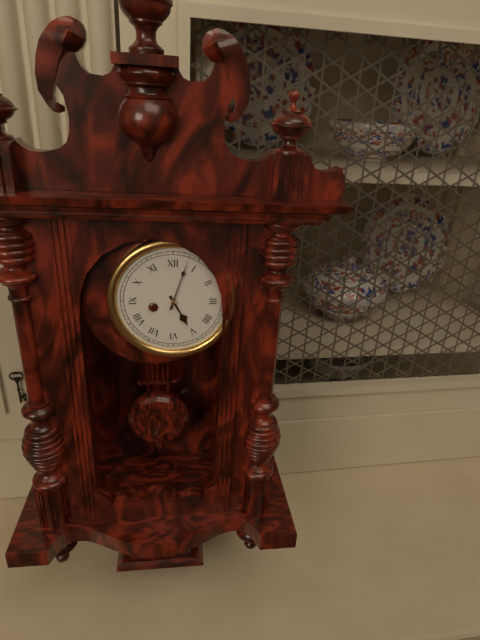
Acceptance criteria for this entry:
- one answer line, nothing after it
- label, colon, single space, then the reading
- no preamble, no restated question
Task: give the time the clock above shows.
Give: 5:03
